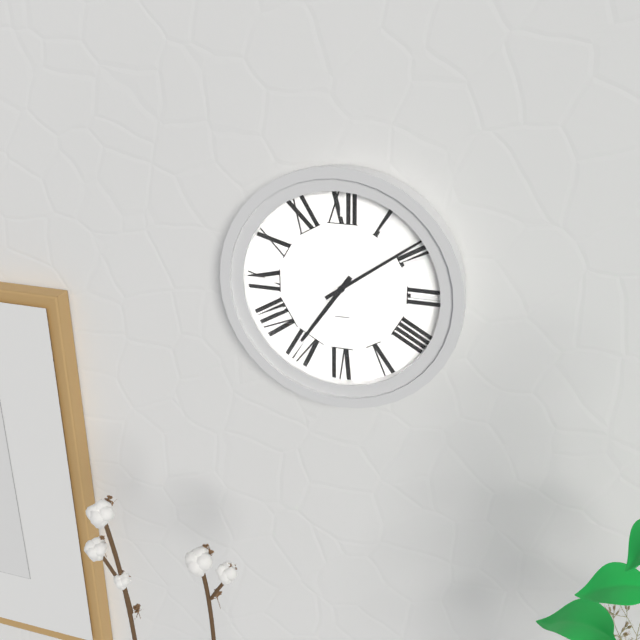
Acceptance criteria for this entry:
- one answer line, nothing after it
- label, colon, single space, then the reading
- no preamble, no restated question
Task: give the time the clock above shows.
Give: 7:09
